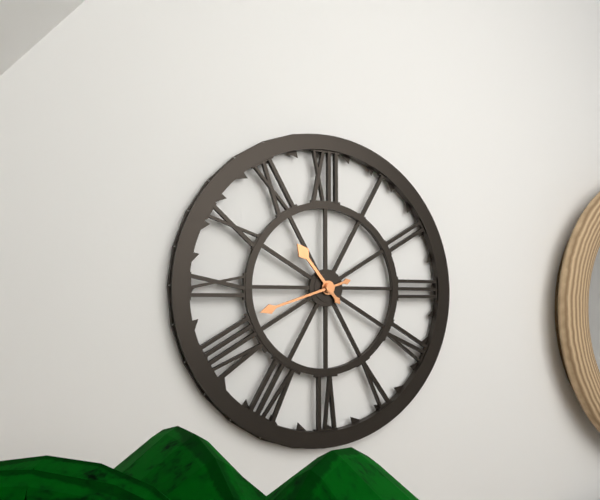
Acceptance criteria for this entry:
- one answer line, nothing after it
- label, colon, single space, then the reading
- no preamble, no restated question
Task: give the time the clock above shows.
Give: 10:42
